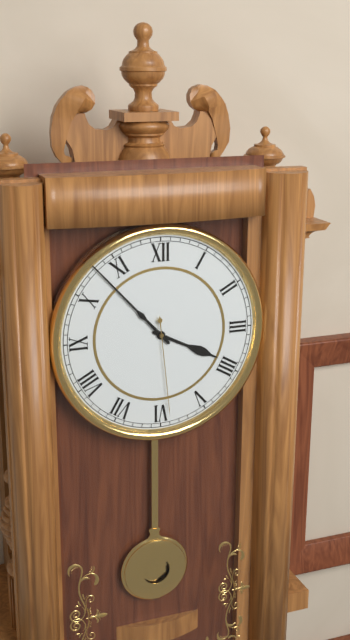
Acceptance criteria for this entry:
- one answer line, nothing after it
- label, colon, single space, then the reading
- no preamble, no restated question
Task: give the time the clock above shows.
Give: 3:53:29
